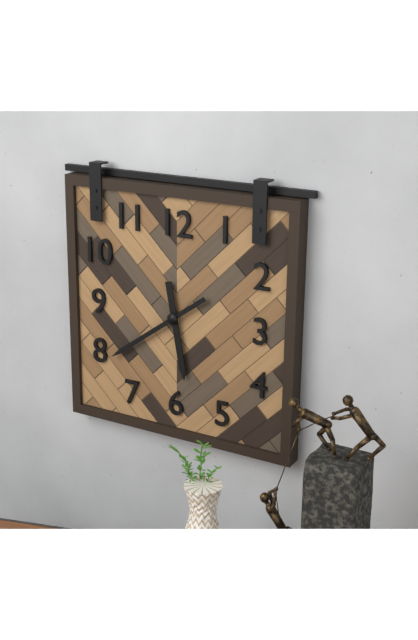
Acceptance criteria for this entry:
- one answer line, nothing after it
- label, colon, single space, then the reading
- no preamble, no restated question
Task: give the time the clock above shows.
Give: 5:39
